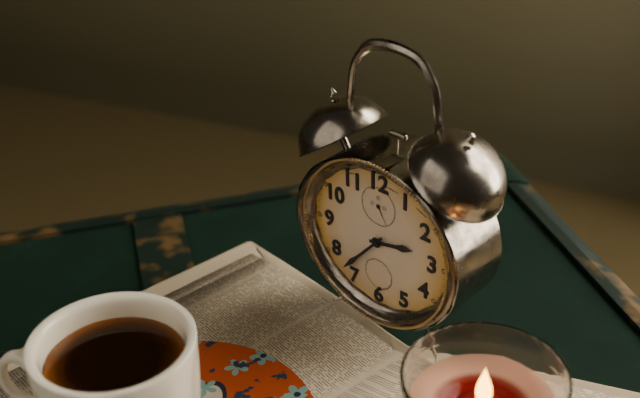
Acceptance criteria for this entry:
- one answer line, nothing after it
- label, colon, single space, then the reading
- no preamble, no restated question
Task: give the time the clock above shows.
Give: 2:37
